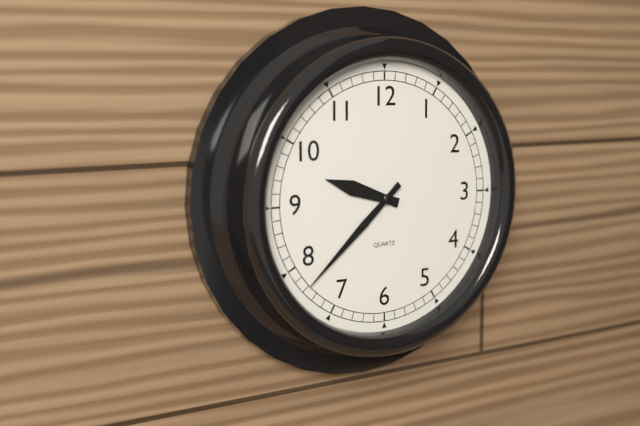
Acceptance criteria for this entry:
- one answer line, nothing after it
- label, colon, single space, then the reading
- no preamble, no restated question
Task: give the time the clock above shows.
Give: 9:38
